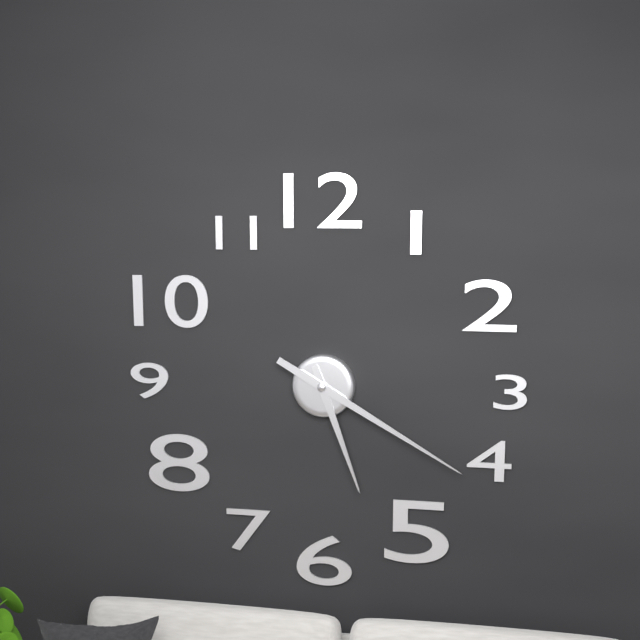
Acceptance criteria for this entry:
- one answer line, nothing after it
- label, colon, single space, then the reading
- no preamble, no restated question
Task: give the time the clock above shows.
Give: 5:20
